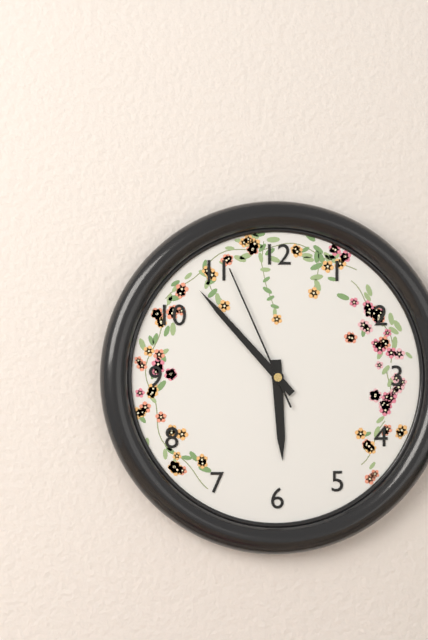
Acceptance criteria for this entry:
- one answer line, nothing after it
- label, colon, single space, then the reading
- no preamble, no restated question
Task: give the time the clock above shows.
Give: 5:53:56
